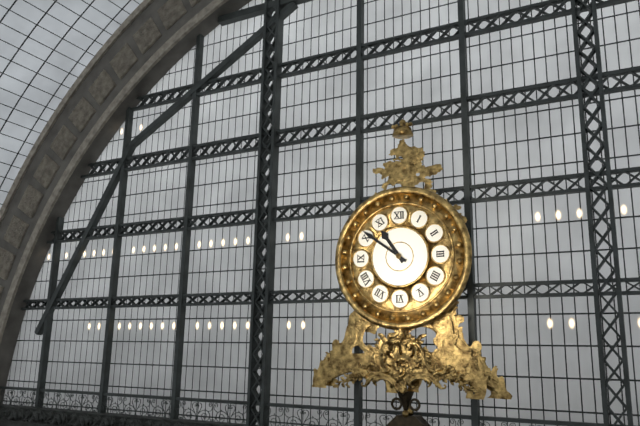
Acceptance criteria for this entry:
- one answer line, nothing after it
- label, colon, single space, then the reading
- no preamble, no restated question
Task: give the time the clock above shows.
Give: 10:51
